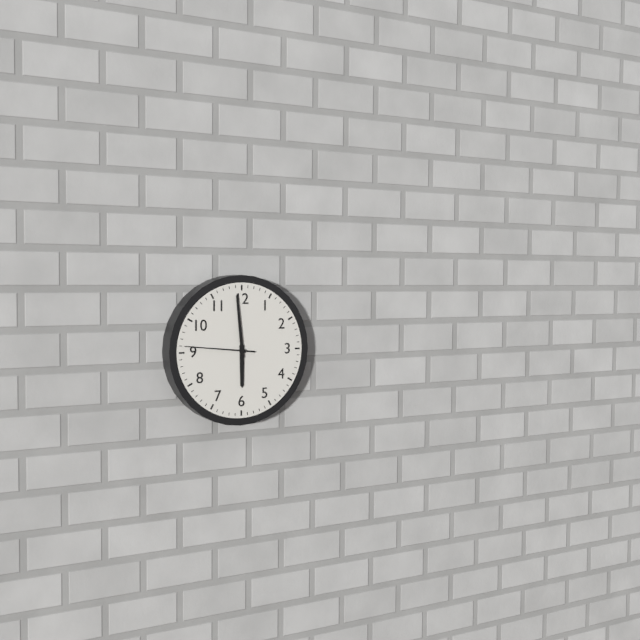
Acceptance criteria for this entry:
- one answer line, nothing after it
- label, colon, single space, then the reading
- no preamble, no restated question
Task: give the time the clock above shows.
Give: 5:59:46
